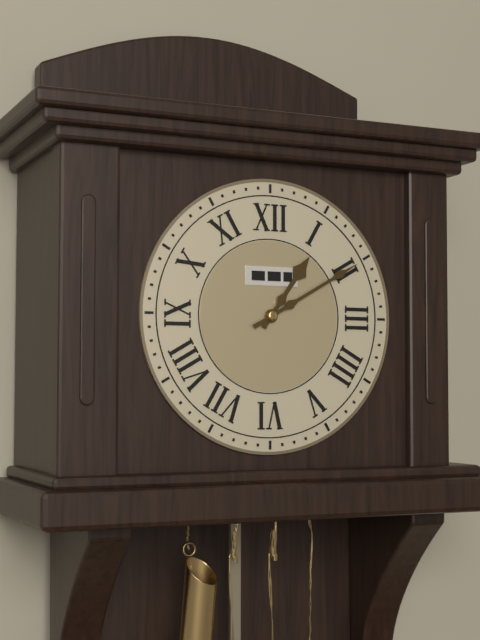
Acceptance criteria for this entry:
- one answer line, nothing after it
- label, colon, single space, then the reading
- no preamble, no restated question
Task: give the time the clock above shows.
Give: 1:10
